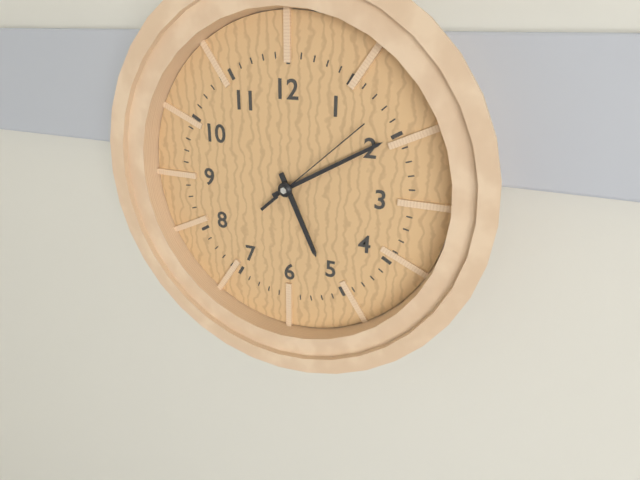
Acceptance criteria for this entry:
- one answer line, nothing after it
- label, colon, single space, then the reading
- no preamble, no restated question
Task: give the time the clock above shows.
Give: 5:10:08
